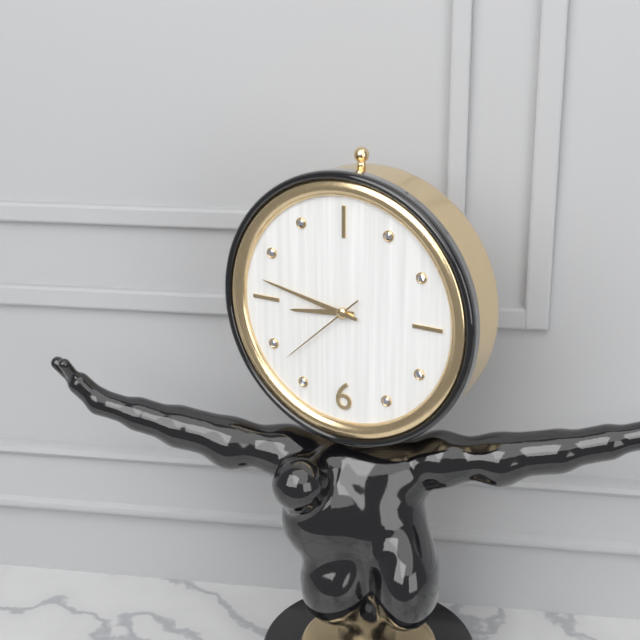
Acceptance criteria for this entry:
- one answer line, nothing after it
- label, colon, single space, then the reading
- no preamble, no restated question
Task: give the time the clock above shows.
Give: 8:47:38
